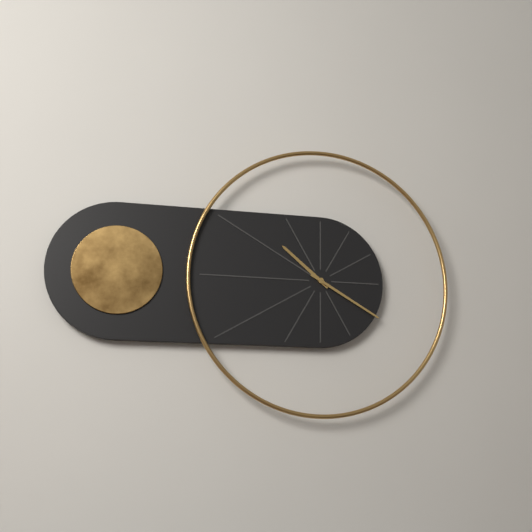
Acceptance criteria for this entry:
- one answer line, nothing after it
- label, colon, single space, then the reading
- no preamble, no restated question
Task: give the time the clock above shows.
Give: 10:20
